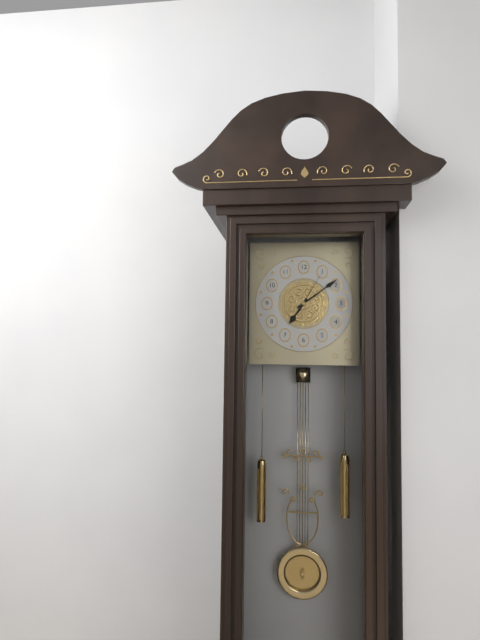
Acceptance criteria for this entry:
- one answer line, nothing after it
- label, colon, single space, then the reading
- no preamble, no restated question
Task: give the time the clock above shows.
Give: 7:09
